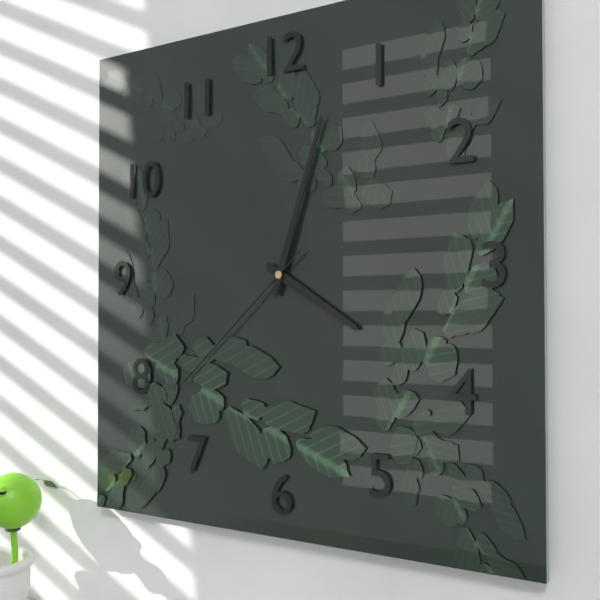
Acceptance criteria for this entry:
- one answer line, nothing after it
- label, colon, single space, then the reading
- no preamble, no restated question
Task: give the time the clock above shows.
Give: 4:03:38
